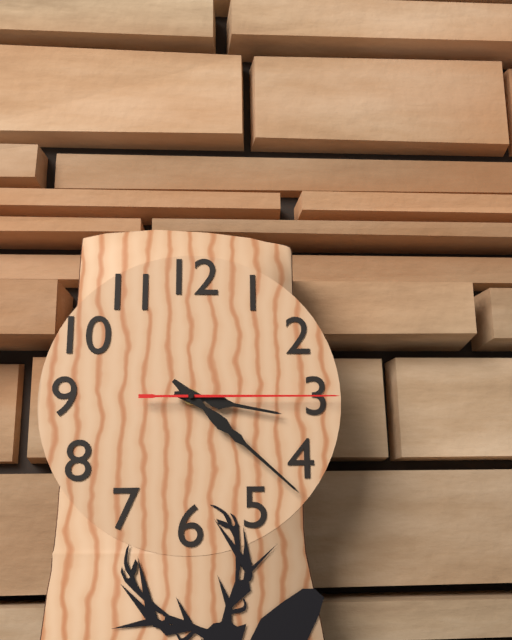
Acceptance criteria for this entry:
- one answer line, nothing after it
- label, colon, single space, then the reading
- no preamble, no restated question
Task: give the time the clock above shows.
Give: 3:22:15
